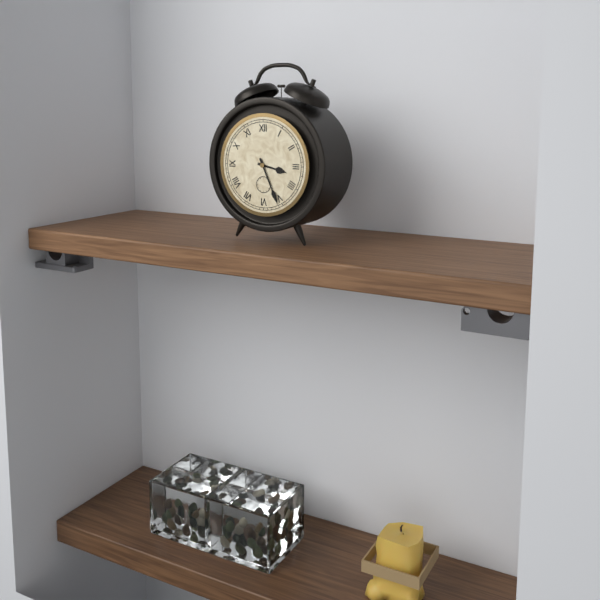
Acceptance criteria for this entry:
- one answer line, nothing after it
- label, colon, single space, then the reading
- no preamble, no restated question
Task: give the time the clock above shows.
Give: 3:26
